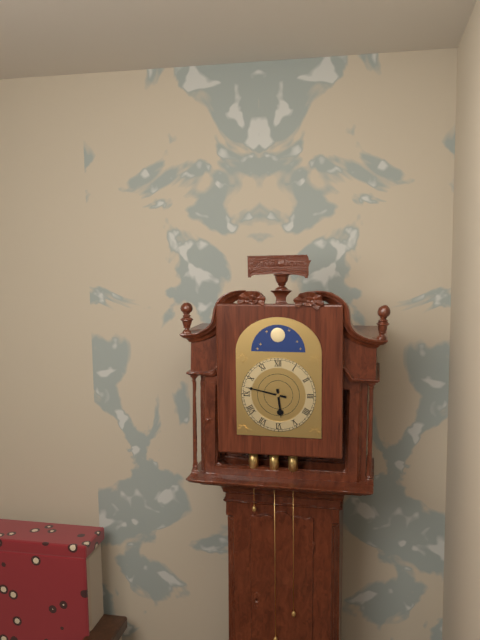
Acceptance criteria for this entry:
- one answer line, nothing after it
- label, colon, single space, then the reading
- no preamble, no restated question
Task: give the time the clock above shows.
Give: 5:47
